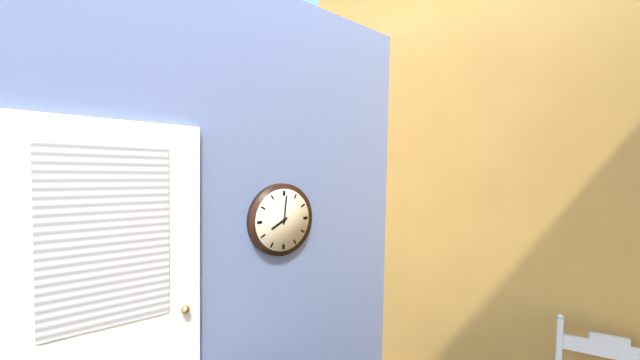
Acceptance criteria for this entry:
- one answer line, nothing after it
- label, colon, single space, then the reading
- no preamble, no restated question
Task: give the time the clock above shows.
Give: 8:01
